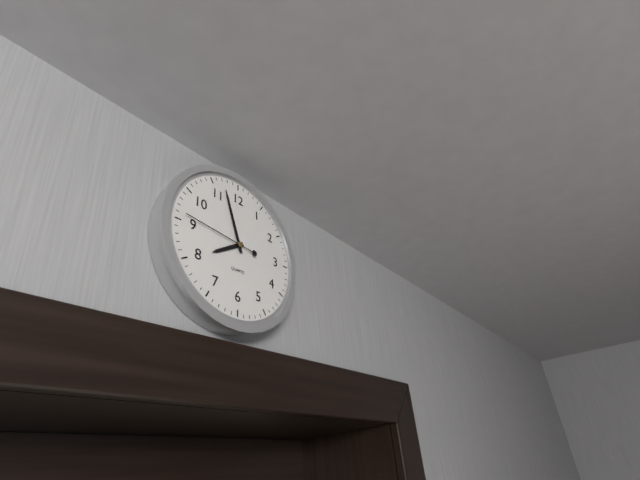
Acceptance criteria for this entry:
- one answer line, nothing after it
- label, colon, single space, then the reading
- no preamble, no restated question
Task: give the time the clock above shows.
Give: 7:57:46
